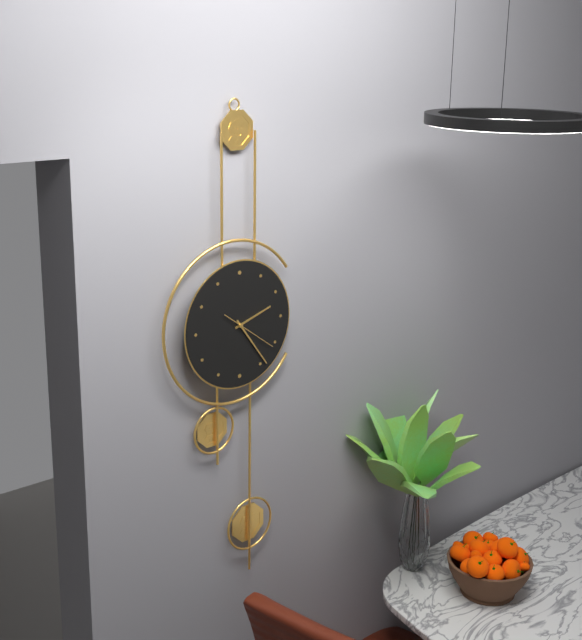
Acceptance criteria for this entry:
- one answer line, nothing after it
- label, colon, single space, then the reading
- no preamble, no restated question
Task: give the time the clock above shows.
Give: 2:24
